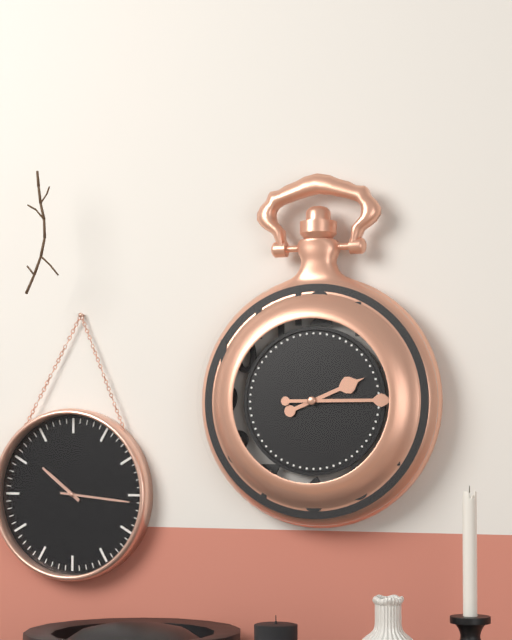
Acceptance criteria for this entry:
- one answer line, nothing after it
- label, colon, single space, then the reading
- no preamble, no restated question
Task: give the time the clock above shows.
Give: 2:15
